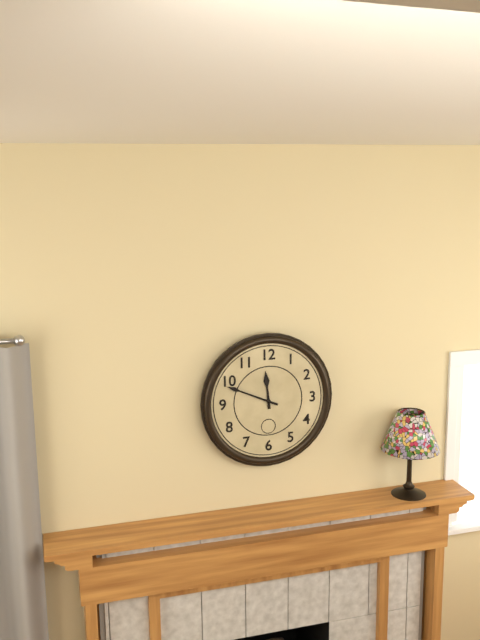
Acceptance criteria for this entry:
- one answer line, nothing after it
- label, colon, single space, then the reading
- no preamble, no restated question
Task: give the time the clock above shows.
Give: 11:49
